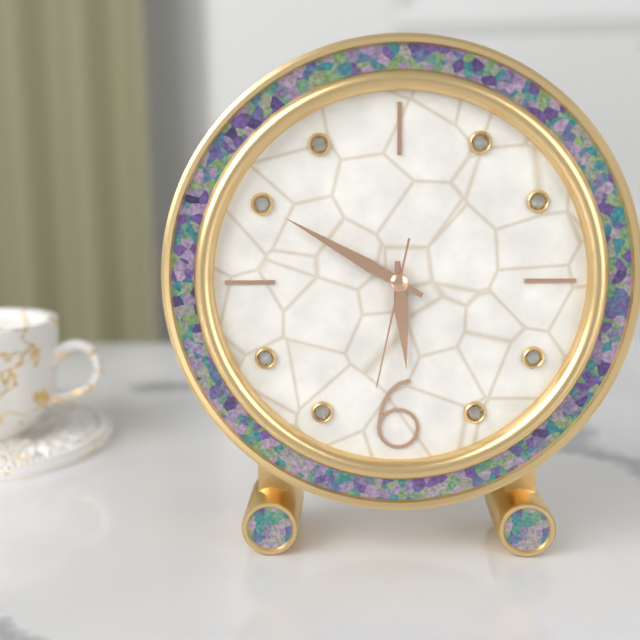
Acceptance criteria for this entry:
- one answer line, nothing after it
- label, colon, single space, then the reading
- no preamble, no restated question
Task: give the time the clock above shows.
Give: 5:50:32
